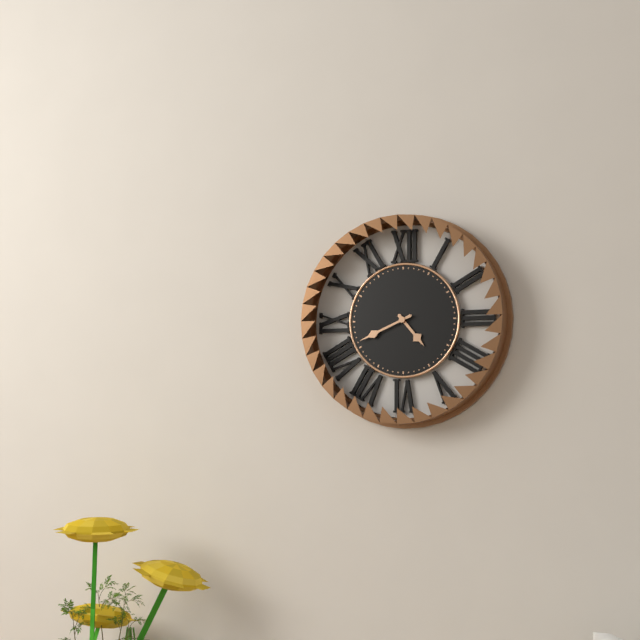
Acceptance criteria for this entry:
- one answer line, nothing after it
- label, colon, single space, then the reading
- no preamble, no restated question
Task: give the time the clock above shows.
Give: 4:41
